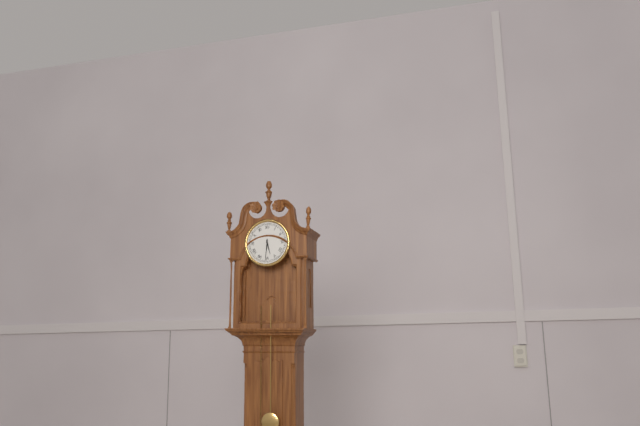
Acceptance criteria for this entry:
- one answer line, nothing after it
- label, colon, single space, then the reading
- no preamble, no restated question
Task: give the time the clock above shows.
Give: 5:31
